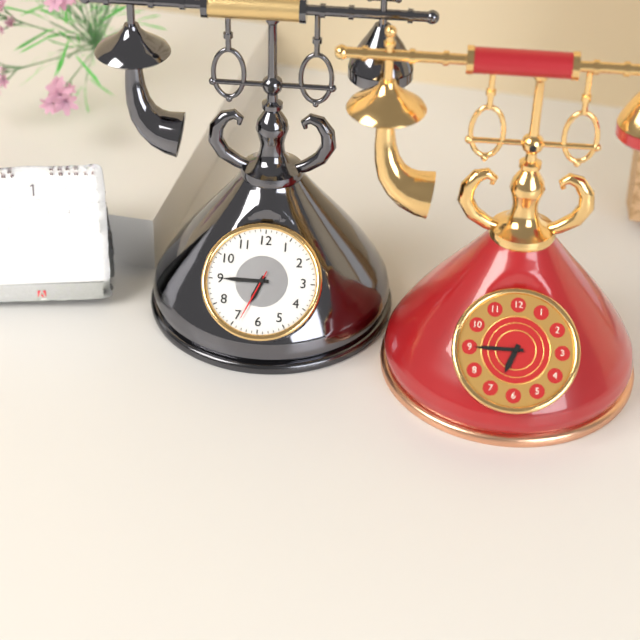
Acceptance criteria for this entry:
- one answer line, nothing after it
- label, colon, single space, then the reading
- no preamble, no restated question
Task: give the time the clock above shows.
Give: 6:45:34
